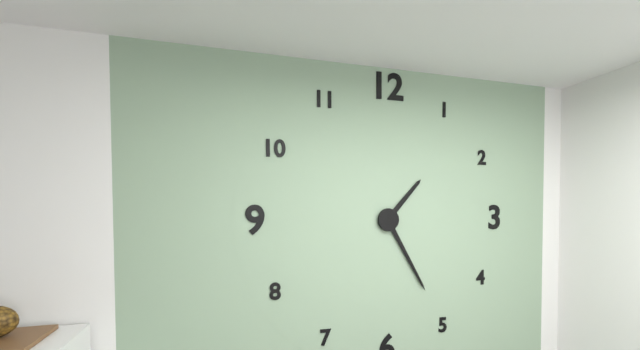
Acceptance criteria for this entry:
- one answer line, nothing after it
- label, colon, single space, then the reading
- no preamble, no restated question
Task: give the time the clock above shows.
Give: 1:25
